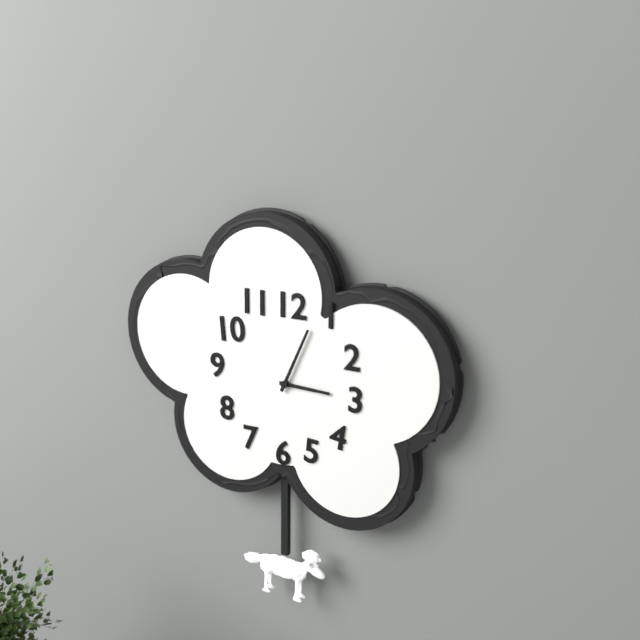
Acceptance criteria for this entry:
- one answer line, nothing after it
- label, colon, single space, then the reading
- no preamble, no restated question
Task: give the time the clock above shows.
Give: 3:04
